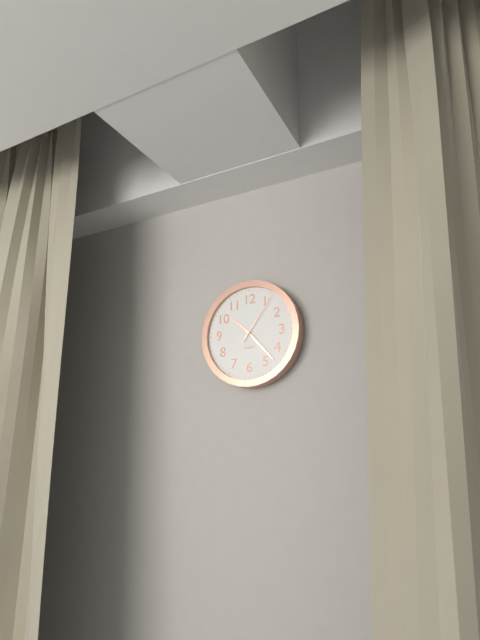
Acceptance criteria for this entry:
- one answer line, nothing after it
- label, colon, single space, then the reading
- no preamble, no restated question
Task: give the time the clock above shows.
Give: 10:23:06
